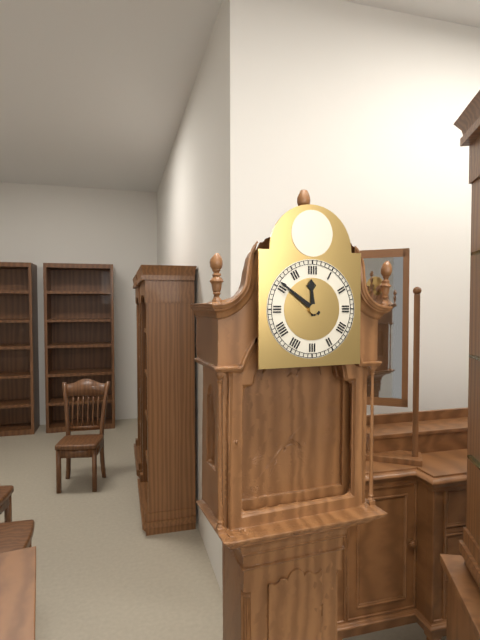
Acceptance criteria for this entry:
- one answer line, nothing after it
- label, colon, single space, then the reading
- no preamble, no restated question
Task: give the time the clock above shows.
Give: 11:51
